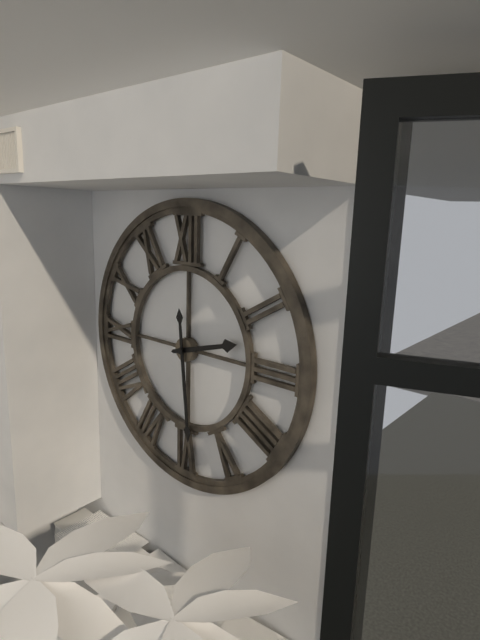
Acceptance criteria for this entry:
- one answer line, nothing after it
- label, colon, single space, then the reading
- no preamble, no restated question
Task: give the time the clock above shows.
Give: 2:29
